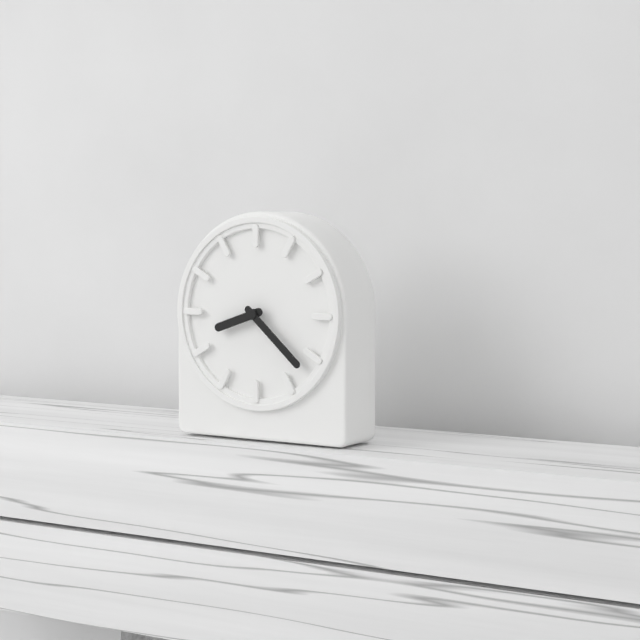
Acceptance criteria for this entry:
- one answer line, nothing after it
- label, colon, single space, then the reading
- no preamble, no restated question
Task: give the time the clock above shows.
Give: 8:22
